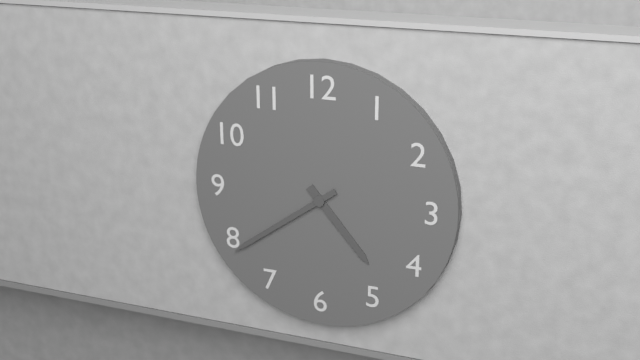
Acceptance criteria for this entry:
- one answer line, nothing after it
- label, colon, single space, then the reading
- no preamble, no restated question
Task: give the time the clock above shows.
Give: 4:39
